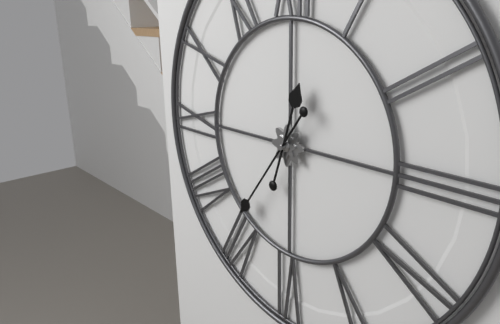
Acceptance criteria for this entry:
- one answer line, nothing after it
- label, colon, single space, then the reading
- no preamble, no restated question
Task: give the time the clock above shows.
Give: 12:36
